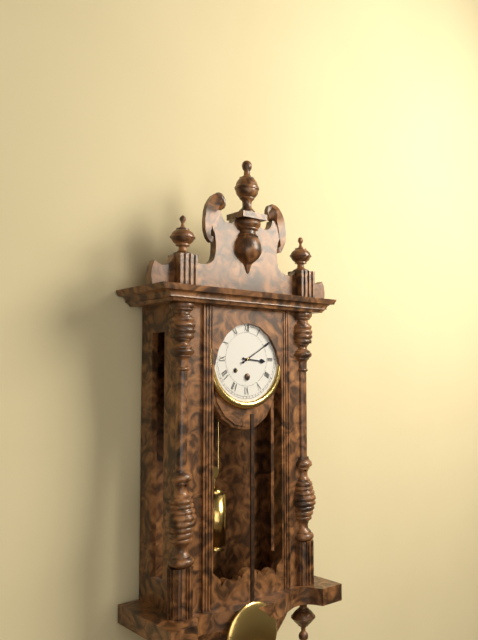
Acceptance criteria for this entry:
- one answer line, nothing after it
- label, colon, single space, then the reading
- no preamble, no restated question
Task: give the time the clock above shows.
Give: 3:10
